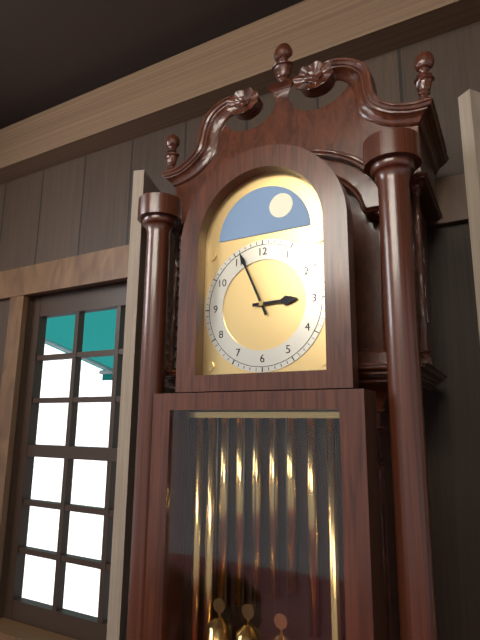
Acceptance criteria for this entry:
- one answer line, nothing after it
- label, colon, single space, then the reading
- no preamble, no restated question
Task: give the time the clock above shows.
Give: 2:56
